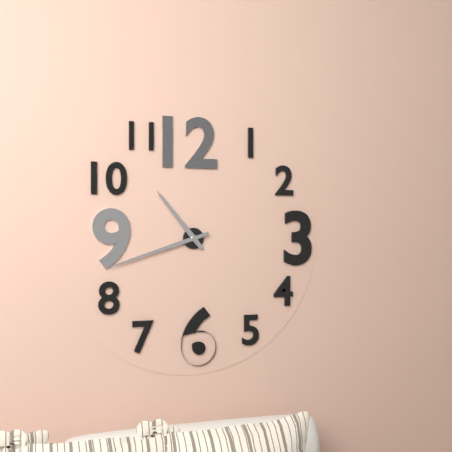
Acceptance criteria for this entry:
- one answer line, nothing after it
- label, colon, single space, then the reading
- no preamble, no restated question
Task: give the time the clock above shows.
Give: 10:42
